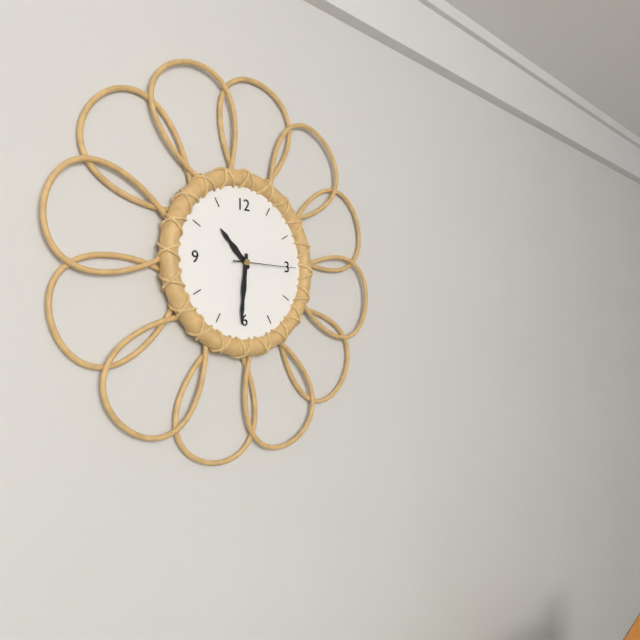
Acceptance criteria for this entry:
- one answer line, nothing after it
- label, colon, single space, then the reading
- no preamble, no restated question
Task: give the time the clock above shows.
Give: 10:31:15
